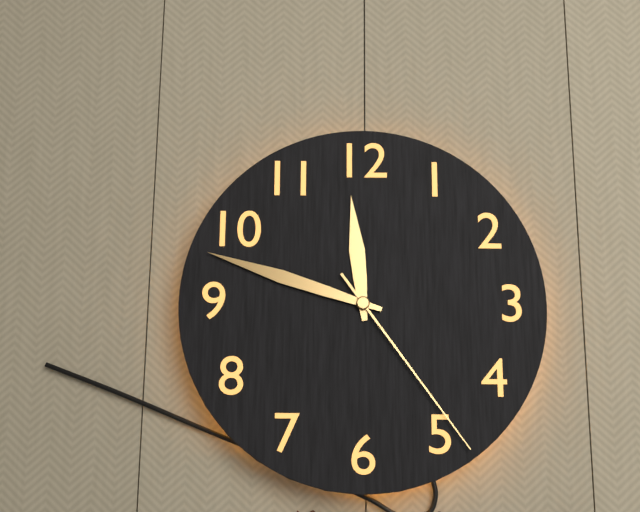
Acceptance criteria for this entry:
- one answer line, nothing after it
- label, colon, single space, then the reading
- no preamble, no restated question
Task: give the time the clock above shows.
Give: 11:48:24
